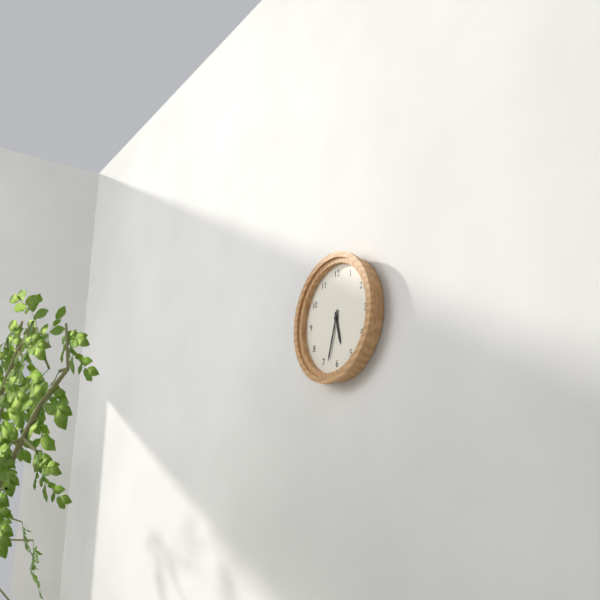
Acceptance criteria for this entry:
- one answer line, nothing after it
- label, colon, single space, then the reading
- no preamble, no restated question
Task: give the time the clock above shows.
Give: 5:33
